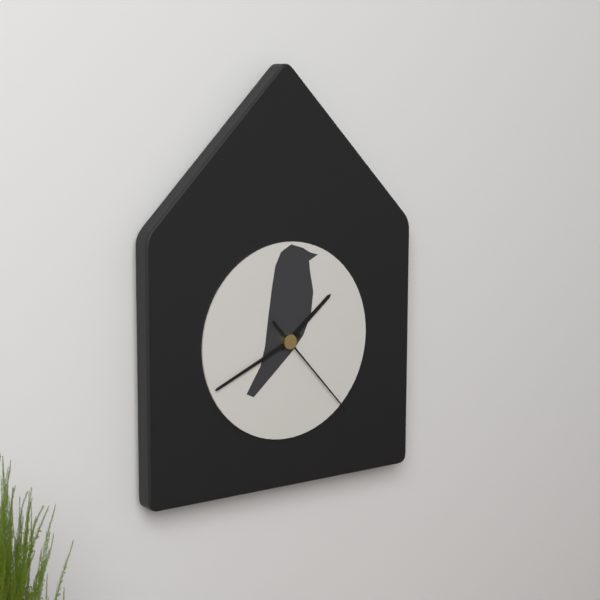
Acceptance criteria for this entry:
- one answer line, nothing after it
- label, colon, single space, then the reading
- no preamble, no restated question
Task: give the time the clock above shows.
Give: 1:41:23
